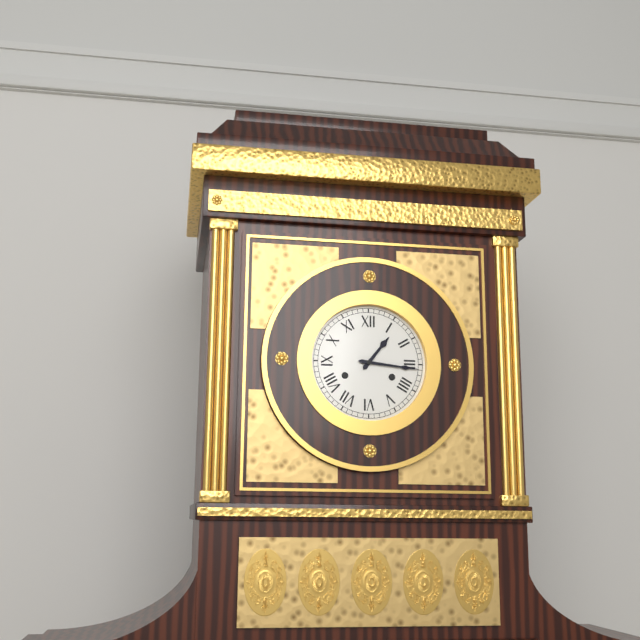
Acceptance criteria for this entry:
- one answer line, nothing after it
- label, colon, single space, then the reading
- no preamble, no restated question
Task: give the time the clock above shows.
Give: 1:16
